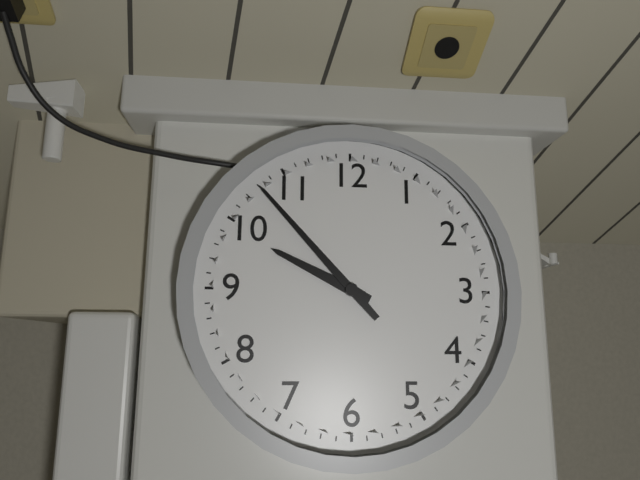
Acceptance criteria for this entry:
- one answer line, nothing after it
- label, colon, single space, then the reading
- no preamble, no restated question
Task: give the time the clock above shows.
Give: 9:53
